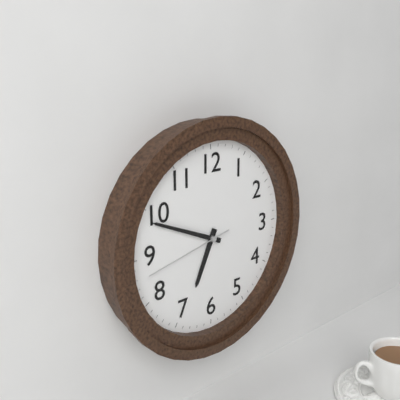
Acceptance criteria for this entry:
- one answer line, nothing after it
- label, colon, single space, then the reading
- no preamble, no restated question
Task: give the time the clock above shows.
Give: 6:49:43
